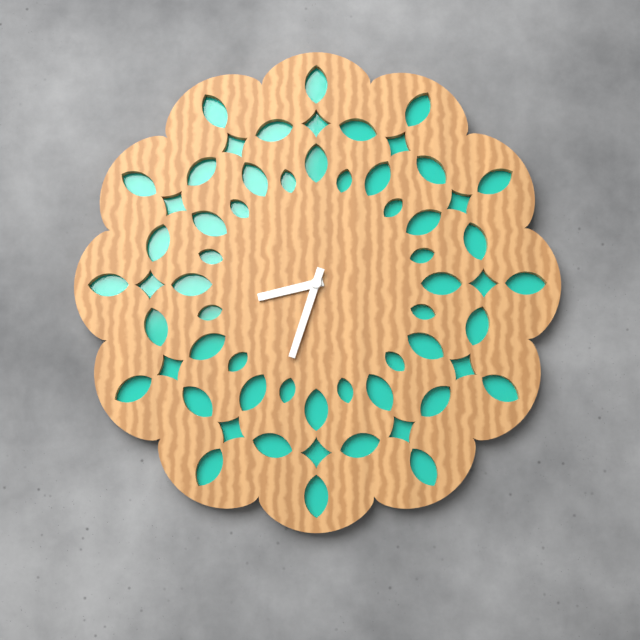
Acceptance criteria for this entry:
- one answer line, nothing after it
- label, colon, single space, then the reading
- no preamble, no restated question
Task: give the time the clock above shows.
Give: 8:33
